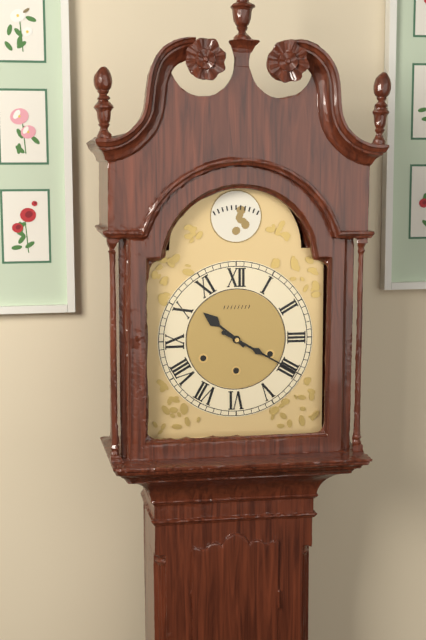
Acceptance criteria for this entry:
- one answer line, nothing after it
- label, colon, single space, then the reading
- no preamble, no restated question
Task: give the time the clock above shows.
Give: 10:20
